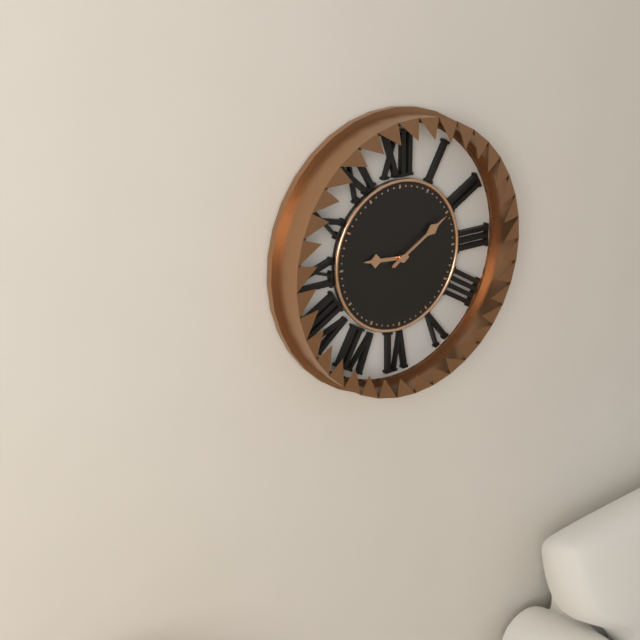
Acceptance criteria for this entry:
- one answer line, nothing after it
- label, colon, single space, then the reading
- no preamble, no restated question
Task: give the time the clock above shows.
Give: 9:10
